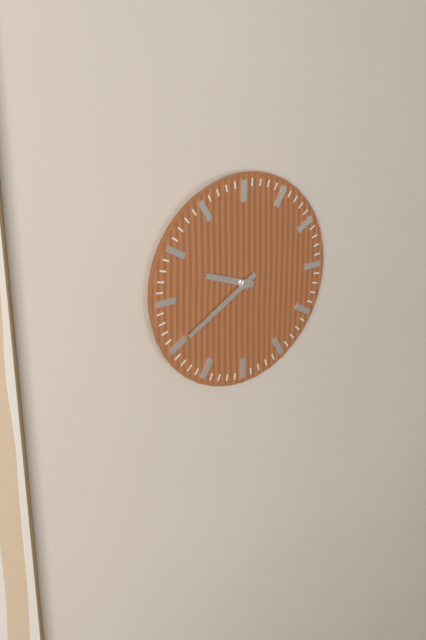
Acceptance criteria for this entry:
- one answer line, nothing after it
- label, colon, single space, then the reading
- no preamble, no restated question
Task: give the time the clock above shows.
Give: 9:40
